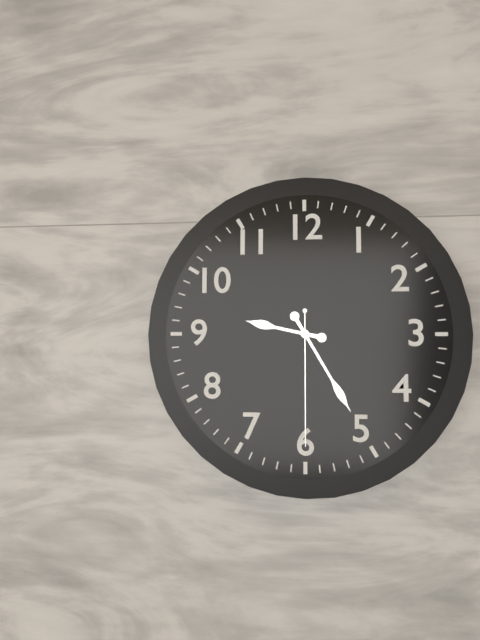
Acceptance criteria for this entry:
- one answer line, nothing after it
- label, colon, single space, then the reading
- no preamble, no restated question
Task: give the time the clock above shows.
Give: 9:25:30
